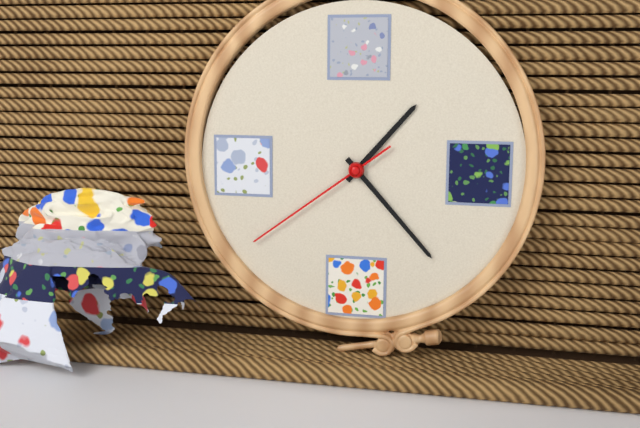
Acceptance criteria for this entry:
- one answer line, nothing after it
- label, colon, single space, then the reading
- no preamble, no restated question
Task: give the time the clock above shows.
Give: 1:23:39
